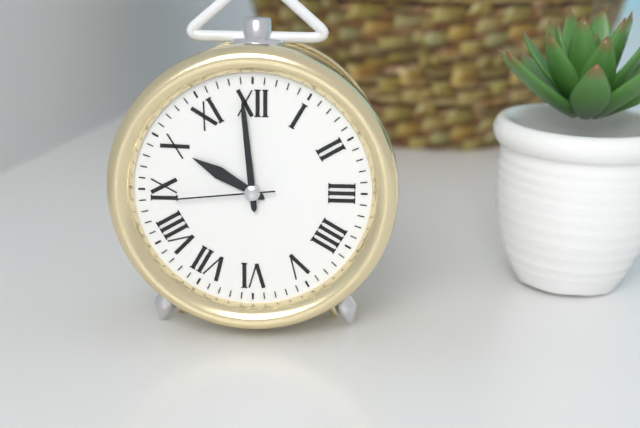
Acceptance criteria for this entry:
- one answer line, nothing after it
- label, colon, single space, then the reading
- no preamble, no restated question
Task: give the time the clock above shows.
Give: 9:59:44
